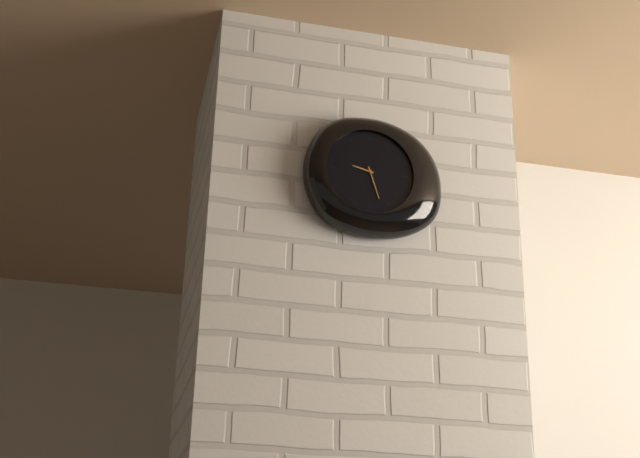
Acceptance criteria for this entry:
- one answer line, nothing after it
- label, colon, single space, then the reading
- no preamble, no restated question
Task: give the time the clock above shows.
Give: 9:27
